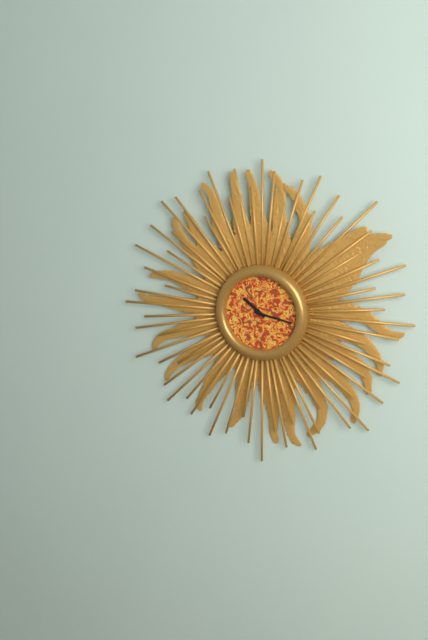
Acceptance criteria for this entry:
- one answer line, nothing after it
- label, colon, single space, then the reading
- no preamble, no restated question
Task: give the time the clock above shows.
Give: 10:17
